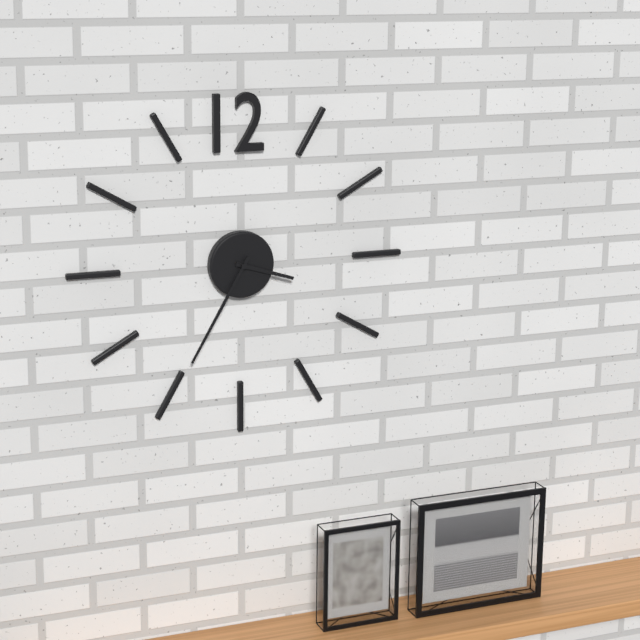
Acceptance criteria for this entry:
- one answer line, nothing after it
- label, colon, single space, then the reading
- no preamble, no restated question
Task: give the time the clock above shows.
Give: 3:35
